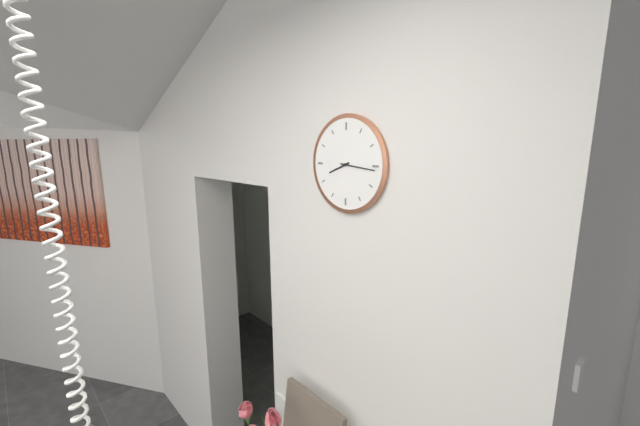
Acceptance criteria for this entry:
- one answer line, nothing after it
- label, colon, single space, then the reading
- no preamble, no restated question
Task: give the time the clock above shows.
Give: 8:16
